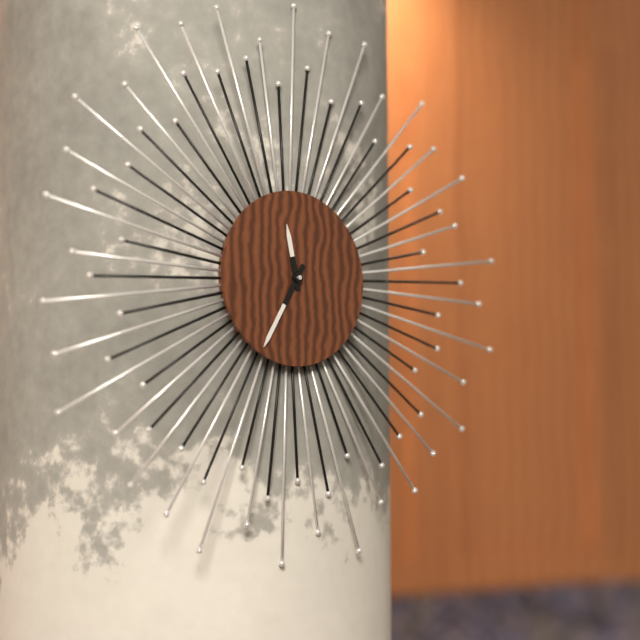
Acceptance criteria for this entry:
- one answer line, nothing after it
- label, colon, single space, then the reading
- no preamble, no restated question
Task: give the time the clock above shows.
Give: 11:35
